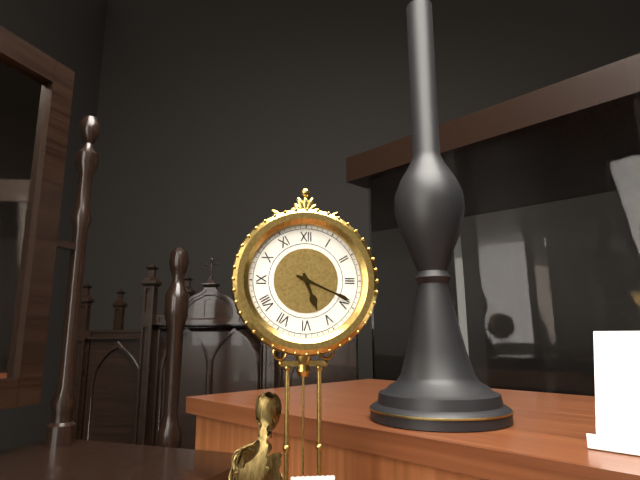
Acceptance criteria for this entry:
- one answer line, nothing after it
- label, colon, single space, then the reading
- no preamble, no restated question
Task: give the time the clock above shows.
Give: 5:19
